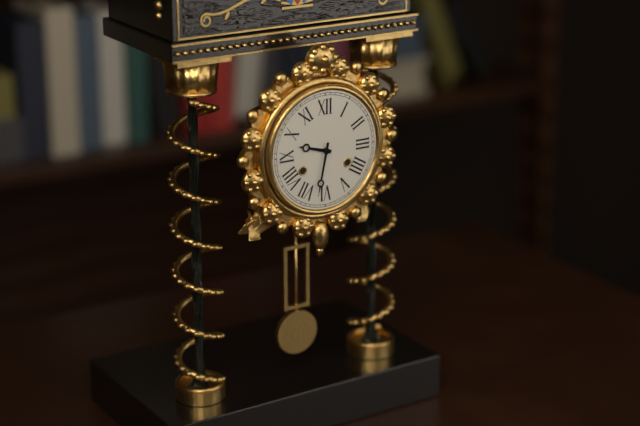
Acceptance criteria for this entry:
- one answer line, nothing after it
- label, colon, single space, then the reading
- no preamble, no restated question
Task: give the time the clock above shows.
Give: 9:32
